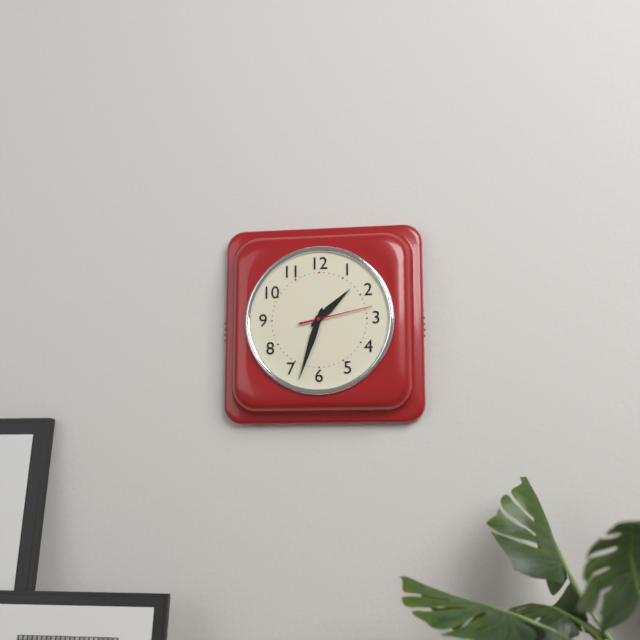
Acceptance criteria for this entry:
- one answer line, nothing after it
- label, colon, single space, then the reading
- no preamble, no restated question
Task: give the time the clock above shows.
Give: 1:33:13
